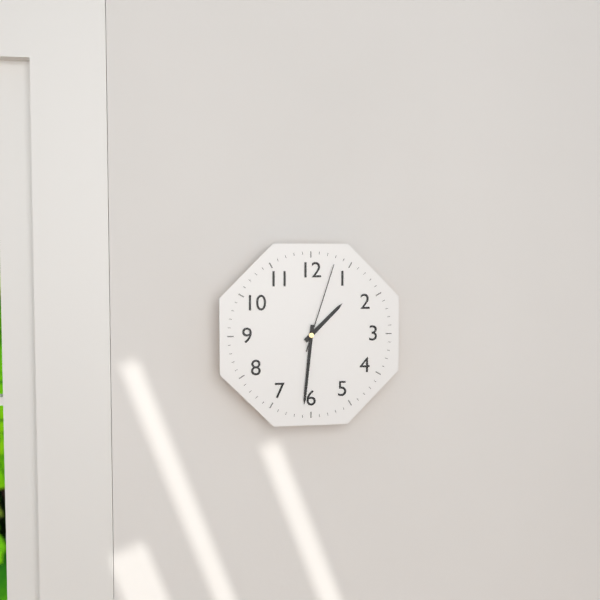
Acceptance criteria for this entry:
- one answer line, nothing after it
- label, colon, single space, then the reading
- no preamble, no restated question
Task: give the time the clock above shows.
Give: 1:31:03
